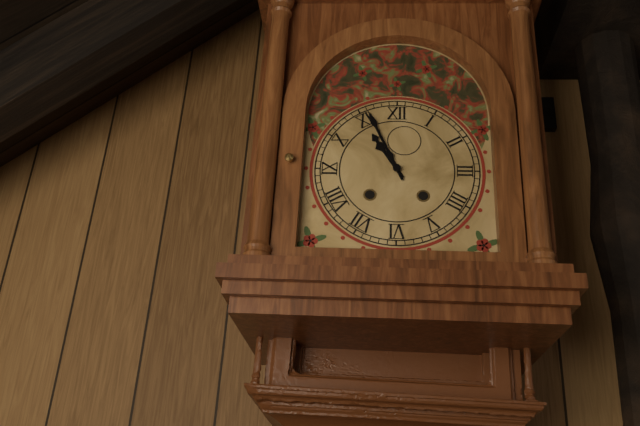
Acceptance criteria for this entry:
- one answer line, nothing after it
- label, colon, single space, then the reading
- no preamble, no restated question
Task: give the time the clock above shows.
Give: 10:56
